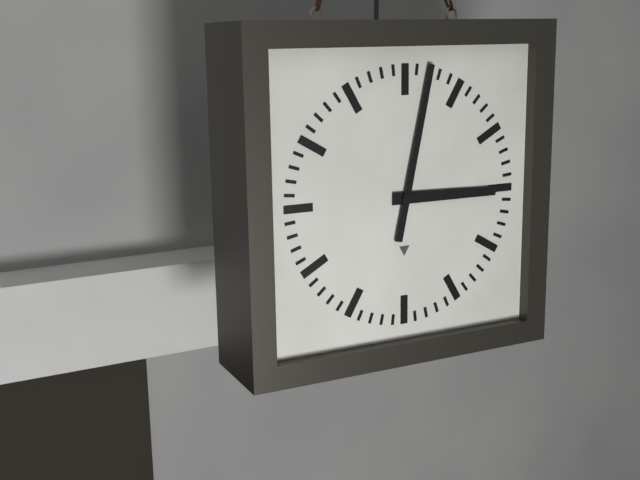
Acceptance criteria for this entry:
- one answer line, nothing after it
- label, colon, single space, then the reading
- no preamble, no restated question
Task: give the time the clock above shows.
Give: 3:02
